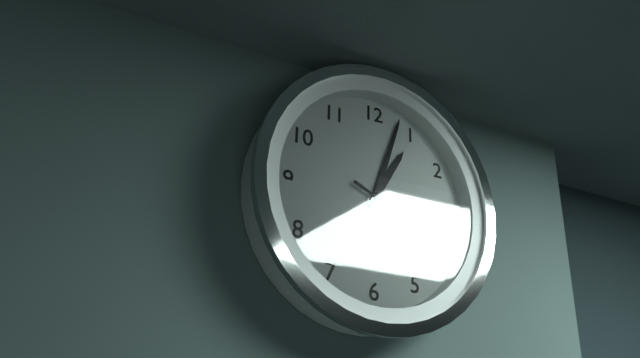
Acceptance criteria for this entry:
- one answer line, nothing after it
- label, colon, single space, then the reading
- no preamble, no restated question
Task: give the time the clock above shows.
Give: 1:03:19
